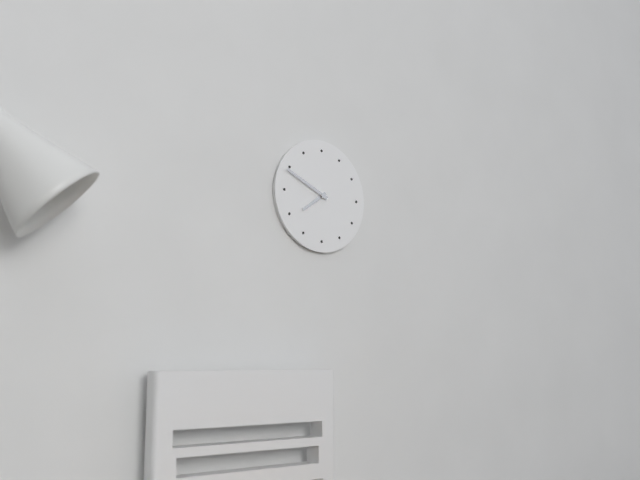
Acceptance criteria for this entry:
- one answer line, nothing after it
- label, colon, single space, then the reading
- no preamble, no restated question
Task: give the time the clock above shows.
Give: 7:49
